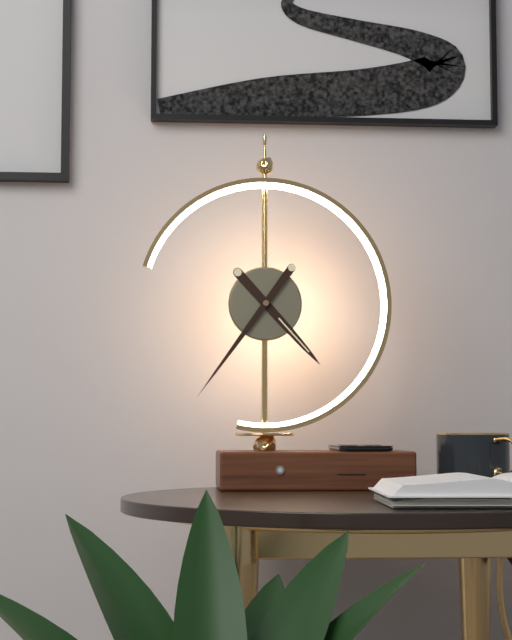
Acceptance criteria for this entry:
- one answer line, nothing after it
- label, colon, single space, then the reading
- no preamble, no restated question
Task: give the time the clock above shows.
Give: 4:36
